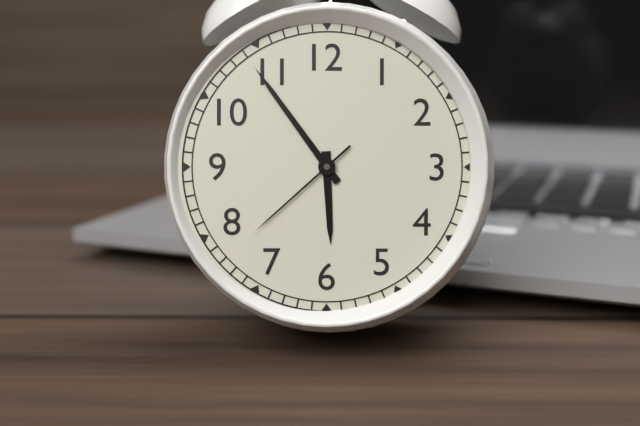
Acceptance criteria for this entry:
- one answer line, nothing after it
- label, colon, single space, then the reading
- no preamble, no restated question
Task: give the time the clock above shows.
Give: 5:54:38
